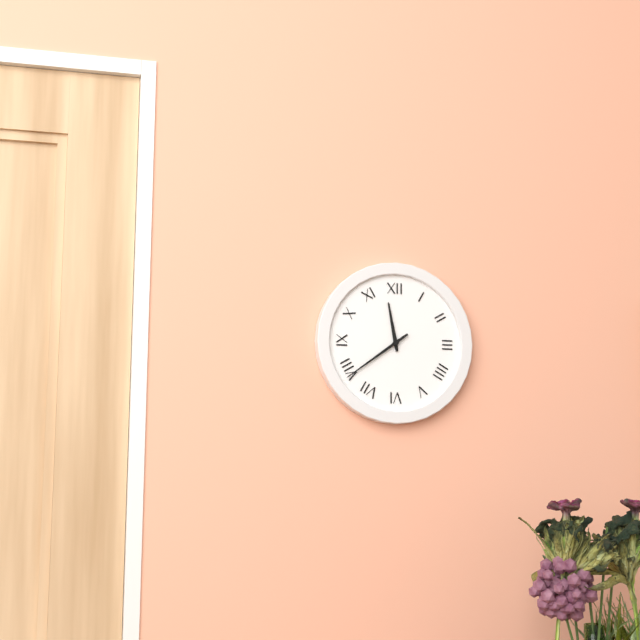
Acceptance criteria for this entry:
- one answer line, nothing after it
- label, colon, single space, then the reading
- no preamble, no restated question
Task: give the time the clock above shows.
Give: 11:39
